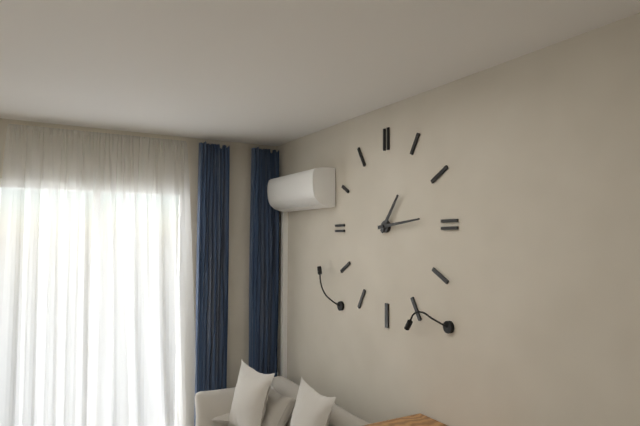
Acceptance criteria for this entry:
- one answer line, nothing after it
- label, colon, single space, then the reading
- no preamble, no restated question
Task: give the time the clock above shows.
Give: 1:14
